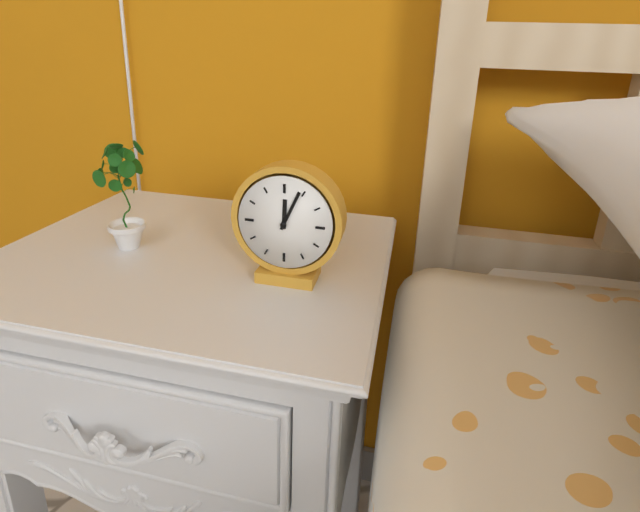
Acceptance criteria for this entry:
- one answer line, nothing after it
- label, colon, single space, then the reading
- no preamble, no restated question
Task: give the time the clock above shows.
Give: 12:04
